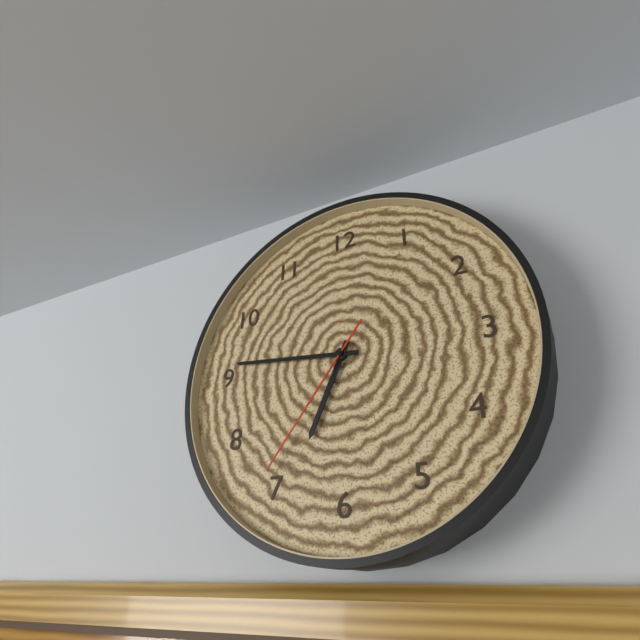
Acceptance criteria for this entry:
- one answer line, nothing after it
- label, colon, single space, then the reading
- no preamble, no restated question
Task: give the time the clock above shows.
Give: 6:46:36
